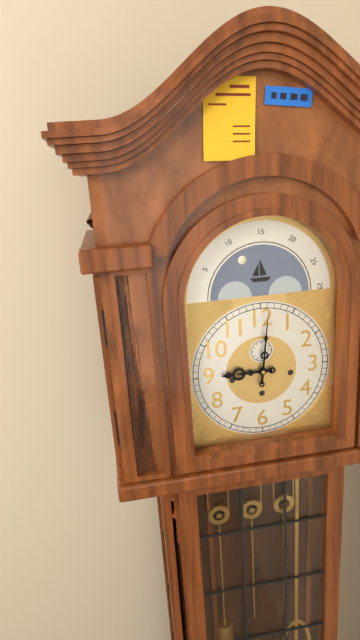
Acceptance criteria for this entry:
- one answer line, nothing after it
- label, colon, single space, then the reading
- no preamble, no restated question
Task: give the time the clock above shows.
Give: 9:01
